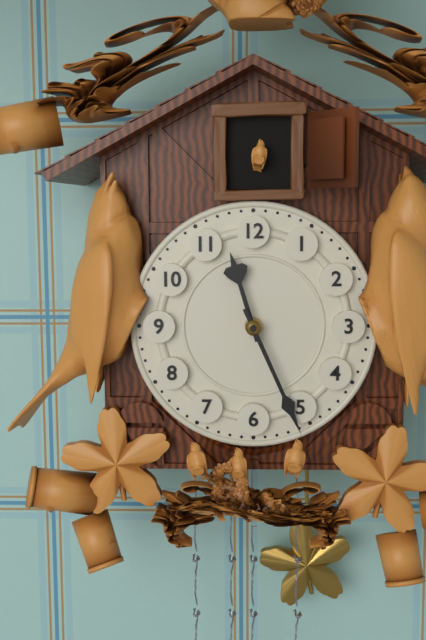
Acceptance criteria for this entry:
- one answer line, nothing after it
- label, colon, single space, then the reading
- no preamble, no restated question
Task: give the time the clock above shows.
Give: 11:26
